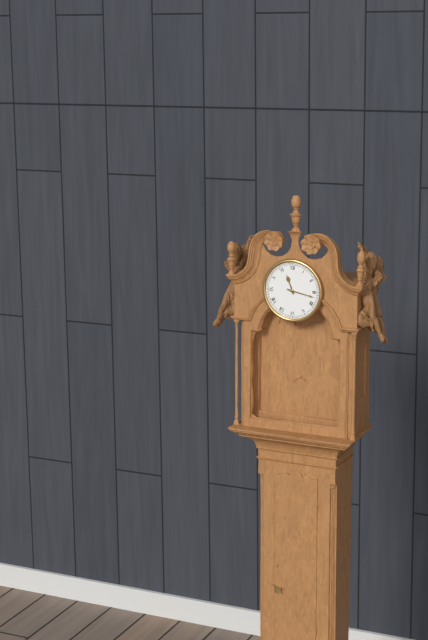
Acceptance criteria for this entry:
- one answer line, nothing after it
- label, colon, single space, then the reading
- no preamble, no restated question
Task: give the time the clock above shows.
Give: 11:17
